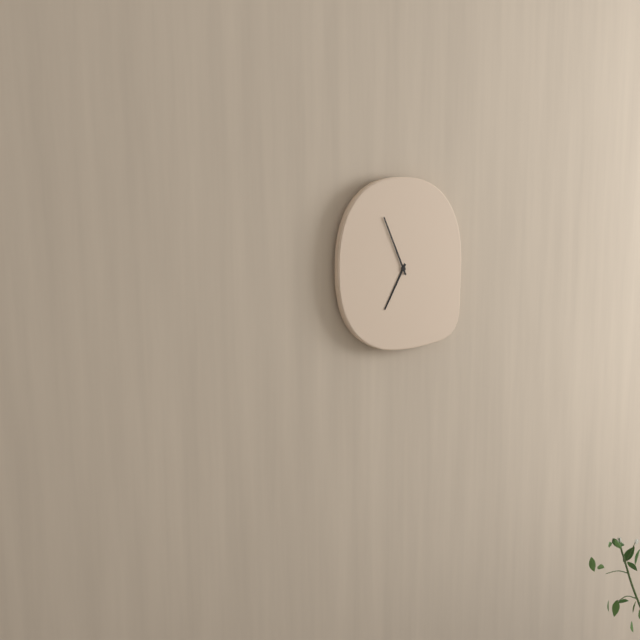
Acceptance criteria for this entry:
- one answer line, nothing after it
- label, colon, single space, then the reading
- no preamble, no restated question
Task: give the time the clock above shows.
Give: 6:56
